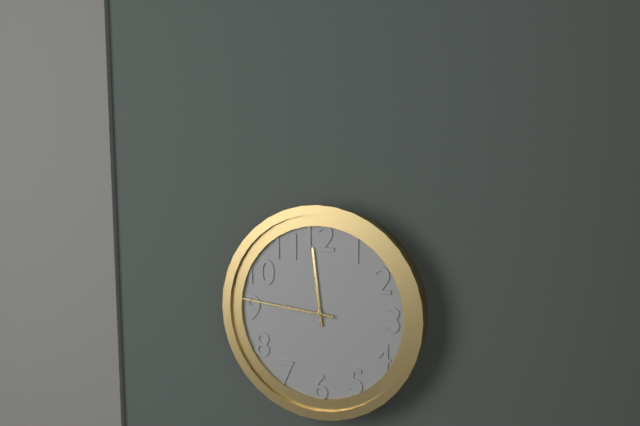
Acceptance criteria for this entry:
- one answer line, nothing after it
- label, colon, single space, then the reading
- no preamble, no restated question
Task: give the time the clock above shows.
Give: 11:46
